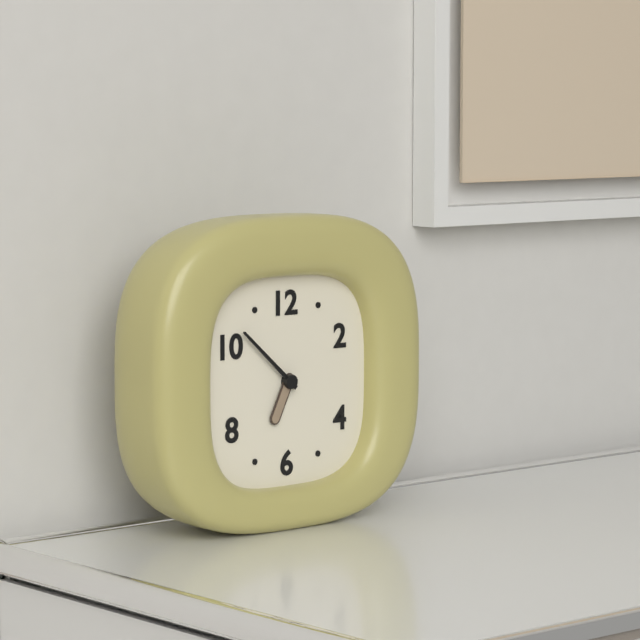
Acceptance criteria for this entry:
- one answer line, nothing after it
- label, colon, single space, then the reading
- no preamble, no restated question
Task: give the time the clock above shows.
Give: 6:52
